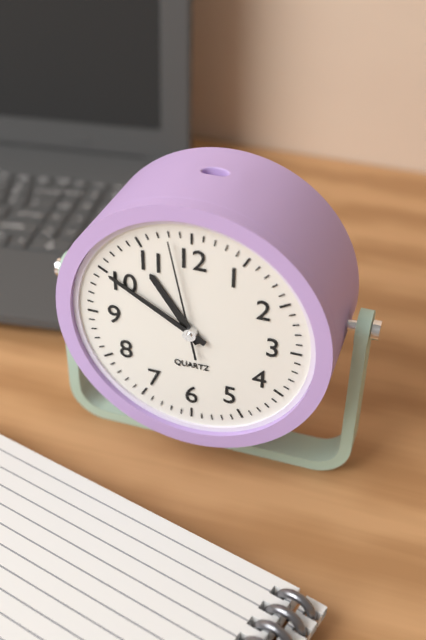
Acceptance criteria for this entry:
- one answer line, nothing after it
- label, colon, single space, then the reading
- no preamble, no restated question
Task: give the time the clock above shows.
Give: 10:50:58
